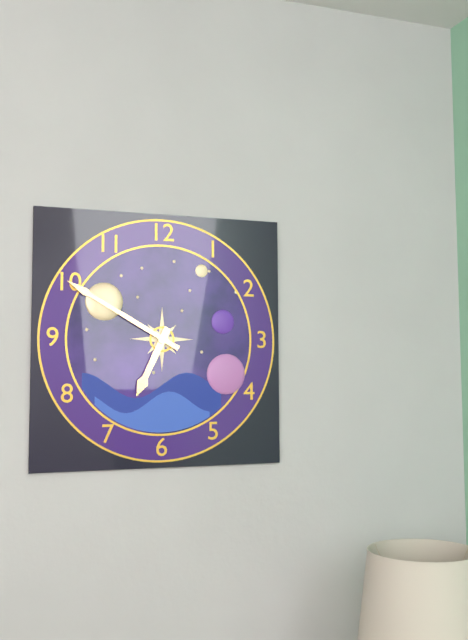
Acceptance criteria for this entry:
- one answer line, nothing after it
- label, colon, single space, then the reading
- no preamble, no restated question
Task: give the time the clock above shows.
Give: 6:50
